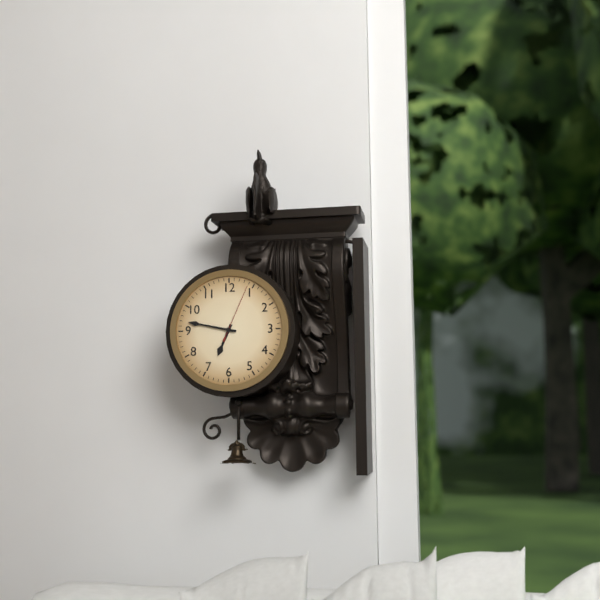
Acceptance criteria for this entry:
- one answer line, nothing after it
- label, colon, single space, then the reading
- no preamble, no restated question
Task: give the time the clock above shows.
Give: 6:47:04
